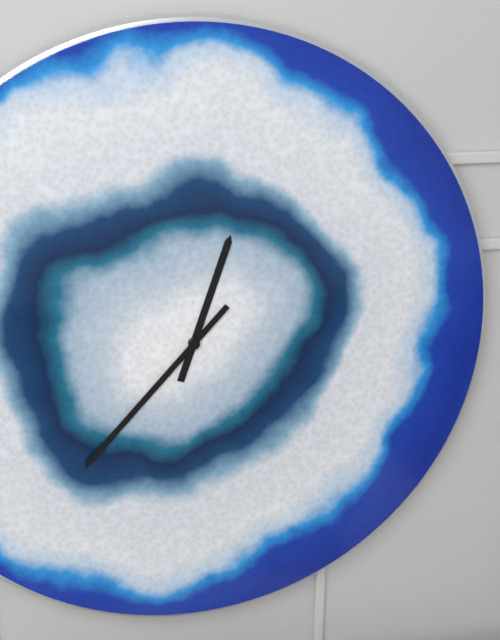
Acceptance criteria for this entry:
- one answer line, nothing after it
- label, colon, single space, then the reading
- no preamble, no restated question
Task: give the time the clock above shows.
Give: 12:37
